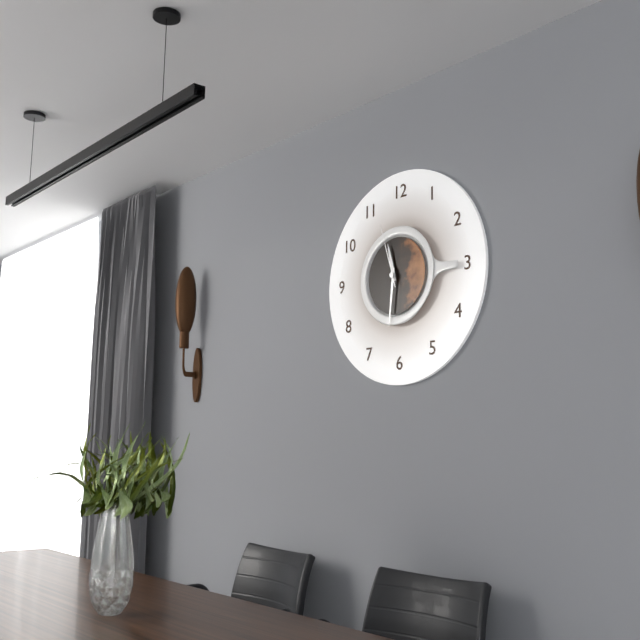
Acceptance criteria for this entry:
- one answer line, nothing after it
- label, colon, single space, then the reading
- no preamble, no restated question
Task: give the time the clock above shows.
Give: 11:31:57
